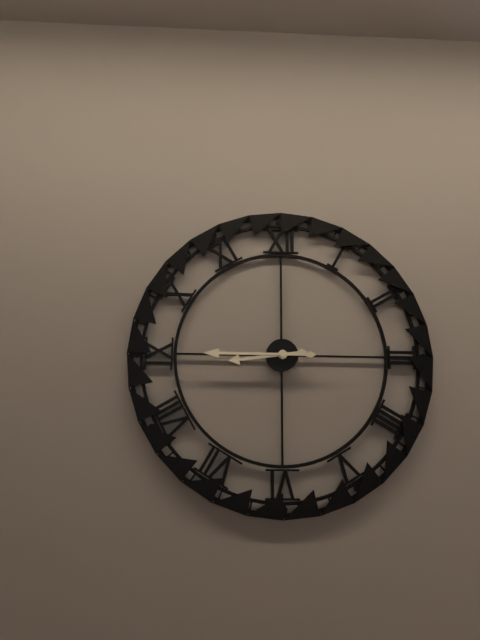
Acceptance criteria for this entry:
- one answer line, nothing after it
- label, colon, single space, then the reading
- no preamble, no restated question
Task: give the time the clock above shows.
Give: 8:45
